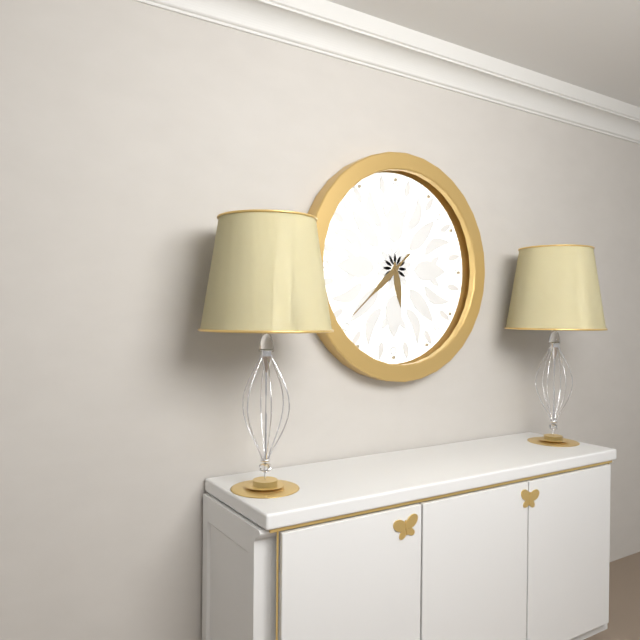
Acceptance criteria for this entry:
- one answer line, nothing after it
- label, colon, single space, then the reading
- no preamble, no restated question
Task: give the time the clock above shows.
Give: 5:38
